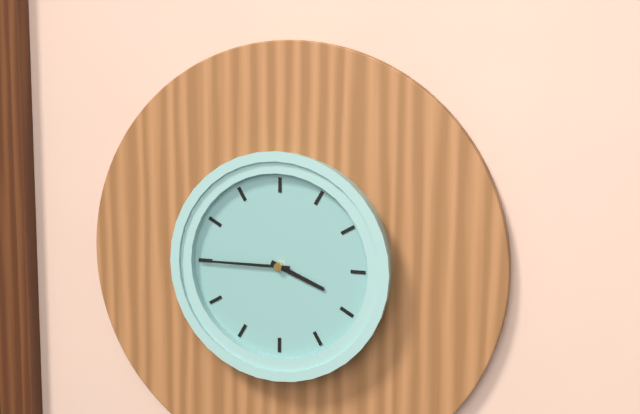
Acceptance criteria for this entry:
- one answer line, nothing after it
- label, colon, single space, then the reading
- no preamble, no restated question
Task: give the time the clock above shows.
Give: 3:45
